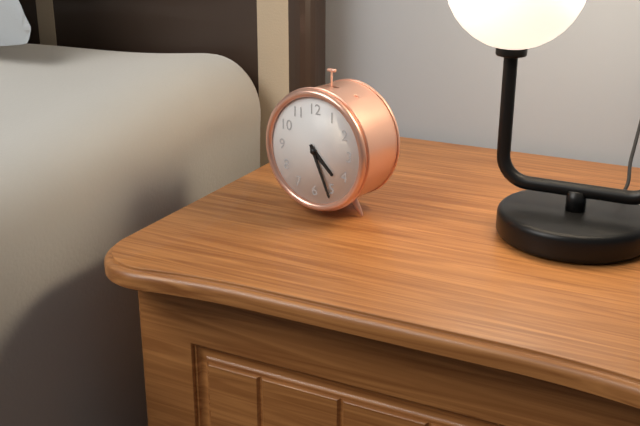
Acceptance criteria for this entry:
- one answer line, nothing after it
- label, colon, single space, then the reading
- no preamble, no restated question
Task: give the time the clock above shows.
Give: 4:26
